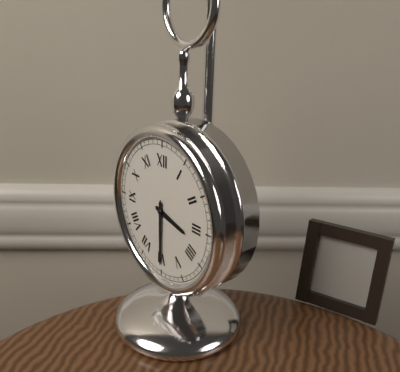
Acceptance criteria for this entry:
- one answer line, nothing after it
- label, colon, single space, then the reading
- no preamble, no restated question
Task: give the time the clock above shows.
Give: 3:30
